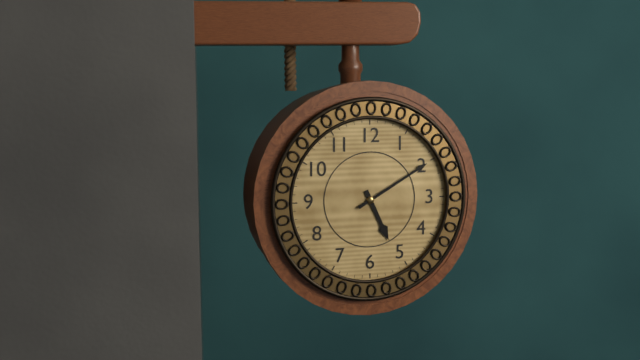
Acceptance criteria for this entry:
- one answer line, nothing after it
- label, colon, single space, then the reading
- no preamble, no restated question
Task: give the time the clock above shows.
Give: 5:10
